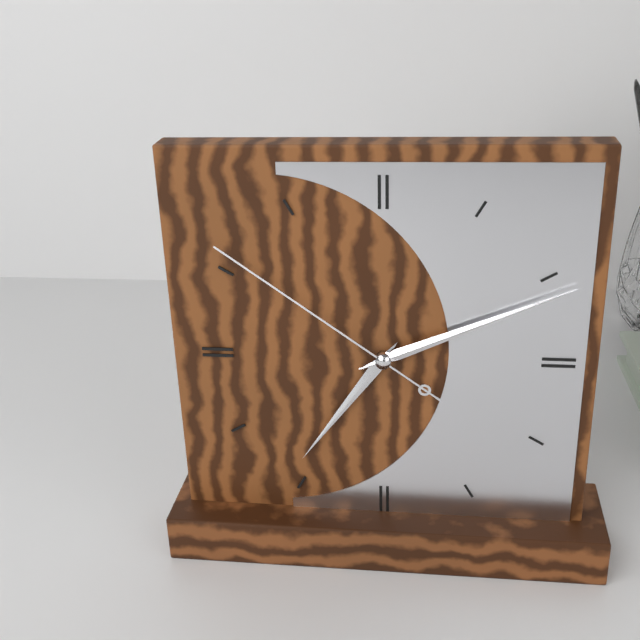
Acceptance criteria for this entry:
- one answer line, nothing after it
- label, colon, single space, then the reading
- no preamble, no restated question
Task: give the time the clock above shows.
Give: 7:11:51
